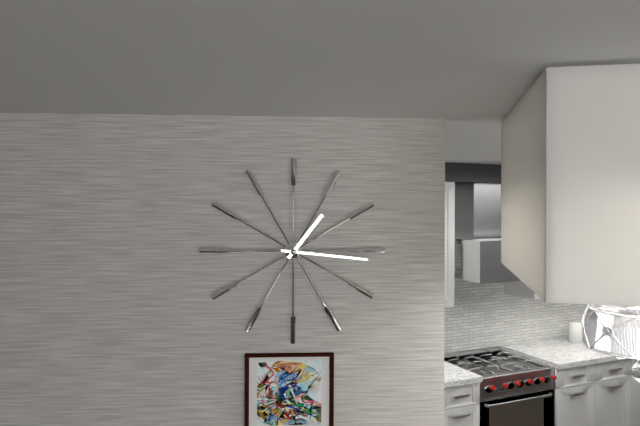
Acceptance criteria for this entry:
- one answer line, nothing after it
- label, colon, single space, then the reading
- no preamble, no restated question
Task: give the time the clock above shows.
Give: 1:16
